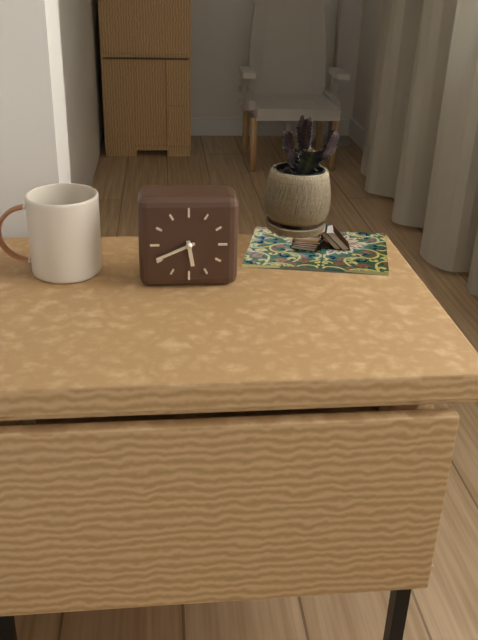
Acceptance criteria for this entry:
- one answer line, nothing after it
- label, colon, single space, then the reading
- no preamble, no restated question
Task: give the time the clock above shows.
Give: 5:41
